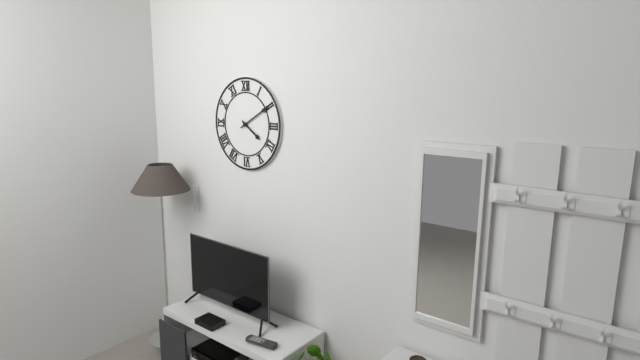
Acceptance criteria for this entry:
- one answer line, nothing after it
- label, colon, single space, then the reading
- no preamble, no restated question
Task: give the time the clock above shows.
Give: 4:10
